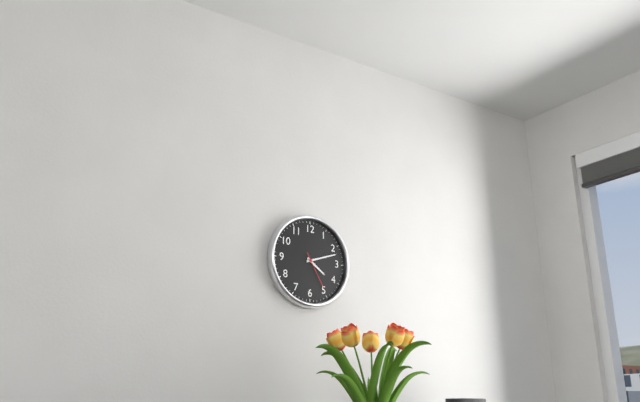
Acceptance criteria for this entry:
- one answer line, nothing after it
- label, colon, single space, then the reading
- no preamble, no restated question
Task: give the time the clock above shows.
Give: 4:12
